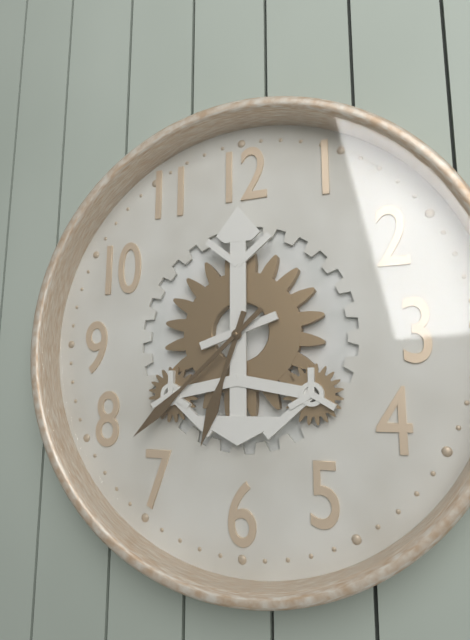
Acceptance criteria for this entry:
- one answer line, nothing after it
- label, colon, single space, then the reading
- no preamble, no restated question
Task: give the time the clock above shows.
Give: 6:38
